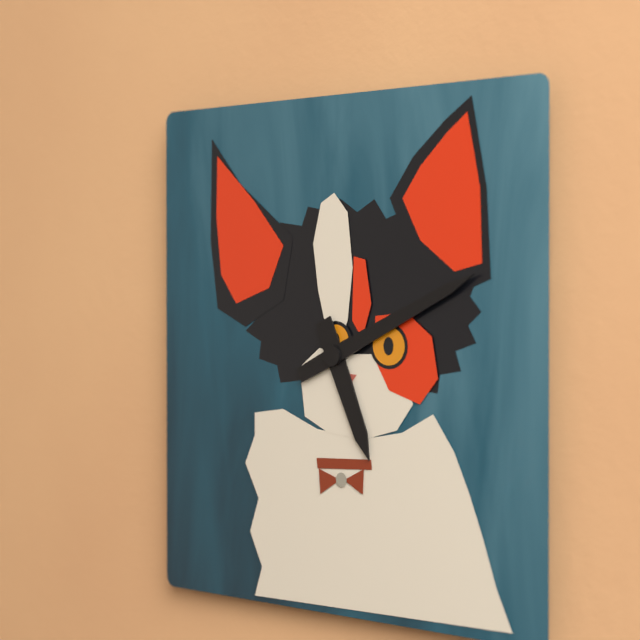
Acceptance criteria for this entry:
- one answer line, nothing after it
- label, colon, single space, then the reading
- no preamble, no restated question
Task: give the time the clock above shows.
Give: 5:11
